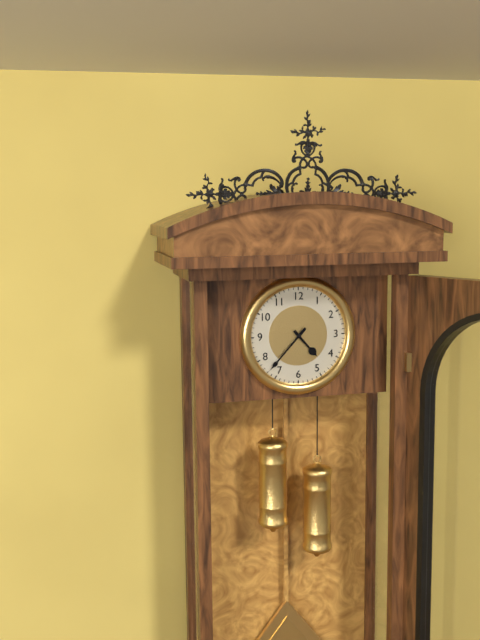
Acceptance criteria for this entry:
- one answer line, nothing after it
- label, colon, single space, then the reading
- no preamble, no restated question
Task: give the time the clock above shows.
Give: 4:37
